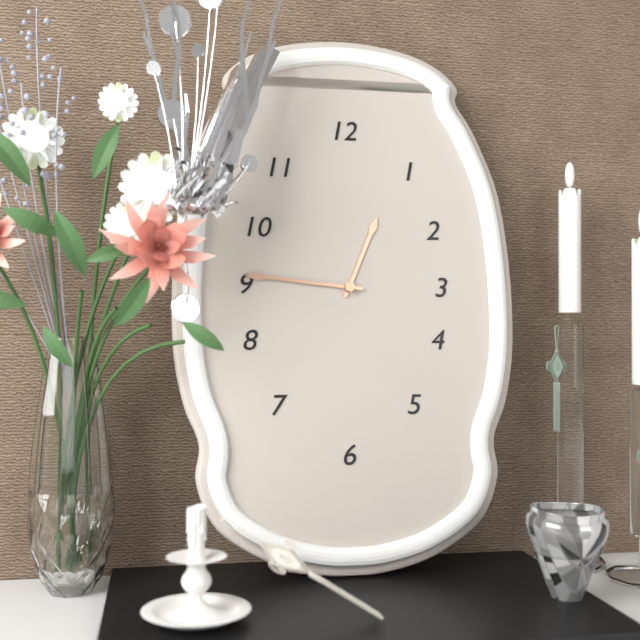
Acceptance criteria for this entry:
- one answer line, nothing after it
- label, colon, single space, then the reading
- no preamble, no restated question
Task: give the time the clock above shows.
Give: 12:46
